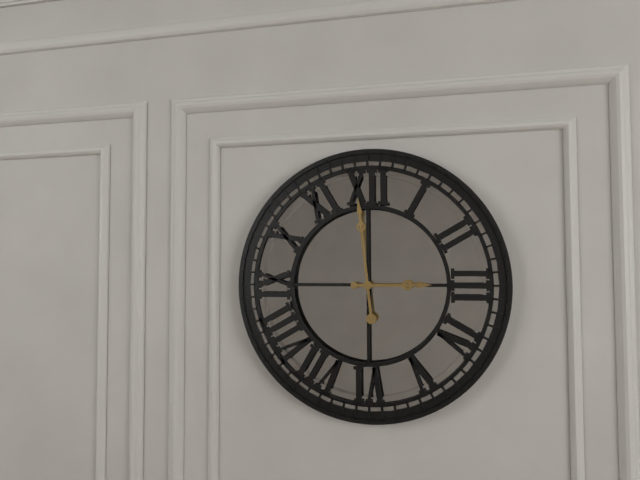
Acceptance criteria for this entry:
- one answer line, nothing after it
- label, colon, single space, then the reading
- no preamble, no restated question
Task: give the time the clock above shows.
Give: 2:59
